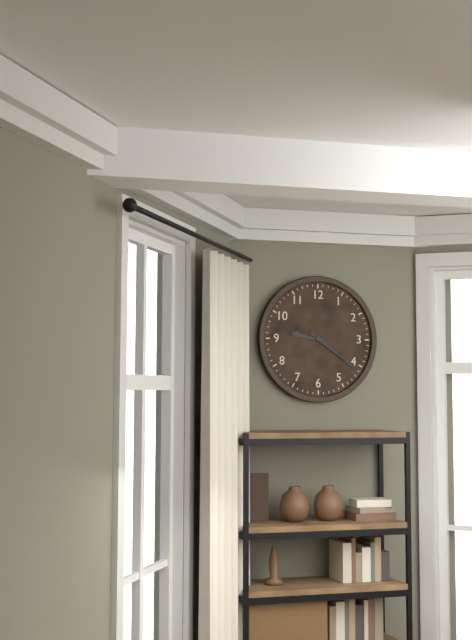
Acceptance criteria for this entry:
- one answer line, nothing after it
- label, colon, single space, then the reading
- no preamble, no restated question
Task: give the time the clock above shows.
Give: 9:21
